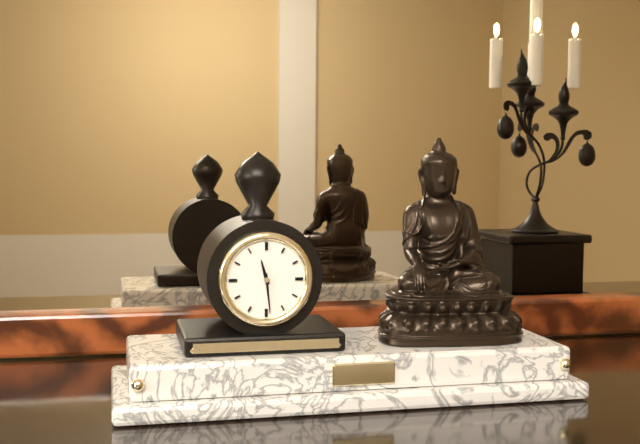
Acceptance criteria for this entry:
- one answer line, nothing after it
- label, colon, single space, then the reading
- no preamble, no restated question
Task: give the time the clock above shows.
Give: 11:29
